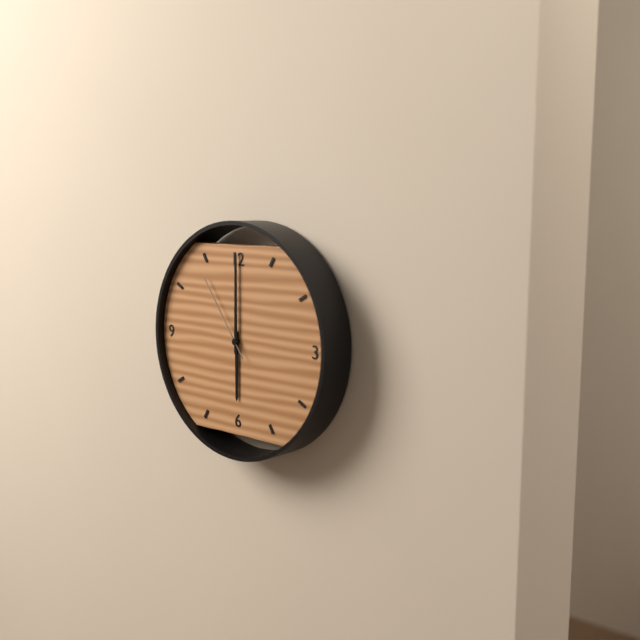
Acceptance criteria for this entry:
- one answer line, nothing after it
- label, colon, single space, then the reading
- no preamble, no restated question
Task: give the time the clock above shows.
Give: 6:00:54
